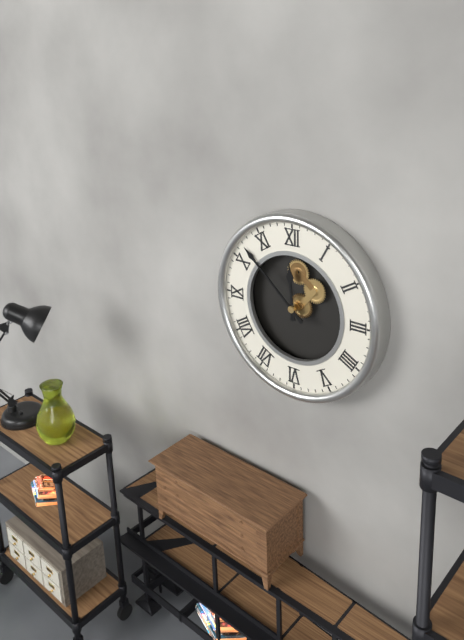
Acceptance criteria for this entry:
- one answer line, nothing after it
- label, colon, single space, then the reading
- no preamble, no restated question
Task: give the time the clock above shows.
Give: 11:52
